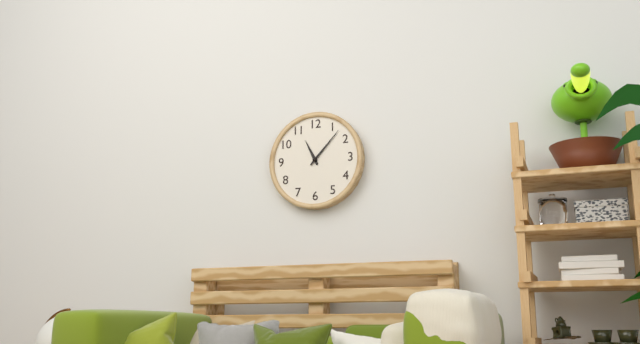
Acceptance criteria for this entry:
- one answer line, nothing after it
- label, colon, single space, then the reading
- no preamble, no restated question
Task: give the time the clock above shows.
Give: 11:07
